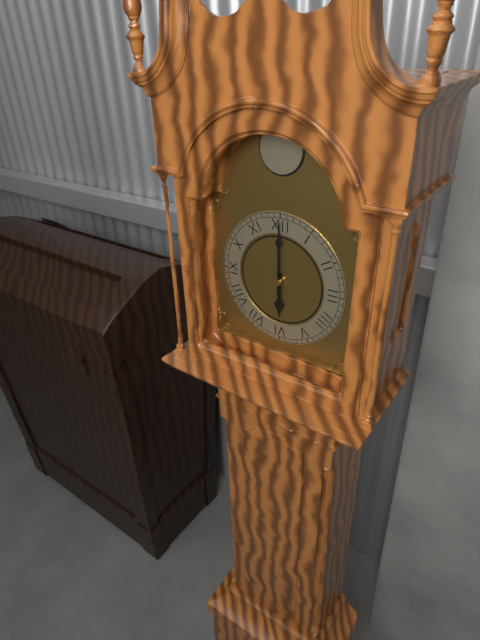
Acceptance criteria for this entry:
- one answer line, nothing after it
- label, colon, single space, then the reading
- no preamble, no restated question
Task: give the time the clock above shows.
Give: 6:00
